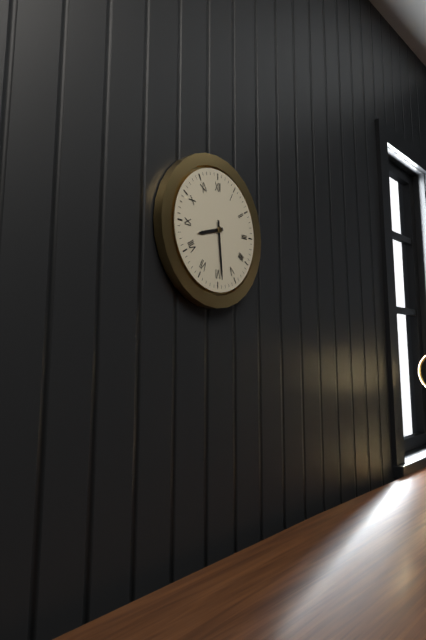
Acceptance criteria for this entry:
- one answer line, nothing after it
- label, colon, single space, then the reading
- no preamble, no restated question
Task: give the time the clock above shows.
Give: 8:29
